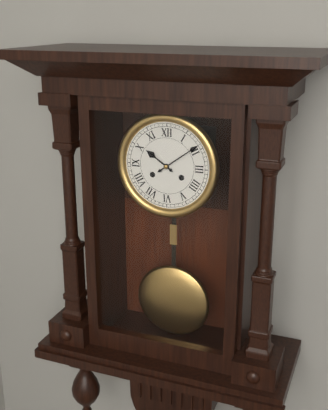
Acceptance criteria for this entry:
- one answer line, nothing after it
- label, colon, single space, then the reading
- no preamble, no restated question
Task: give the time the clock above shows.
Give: 10:09
